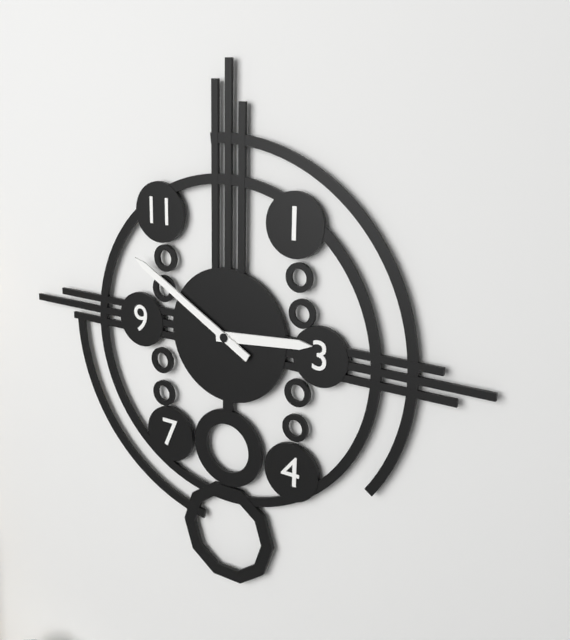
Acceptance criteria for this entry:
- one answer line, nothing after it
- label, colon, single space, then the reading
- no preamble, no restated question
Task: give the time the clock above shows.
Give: 2:50
